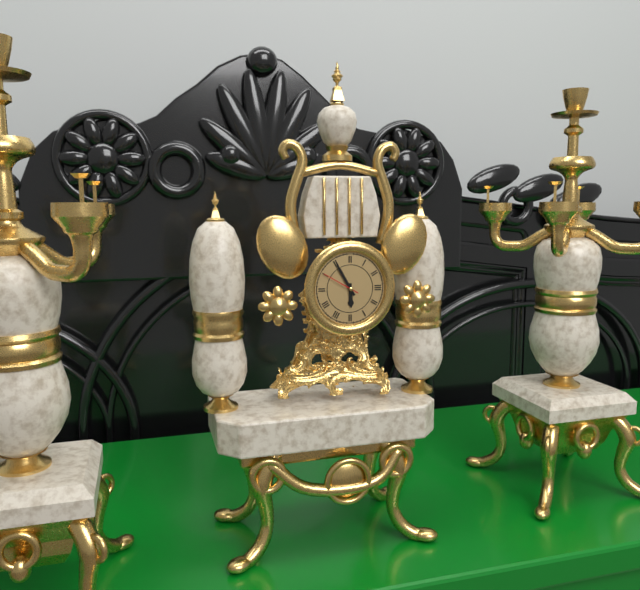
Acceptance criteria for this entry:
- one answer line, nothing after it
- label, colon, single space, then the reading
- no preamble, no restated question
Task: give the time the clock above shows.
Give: 5:55
